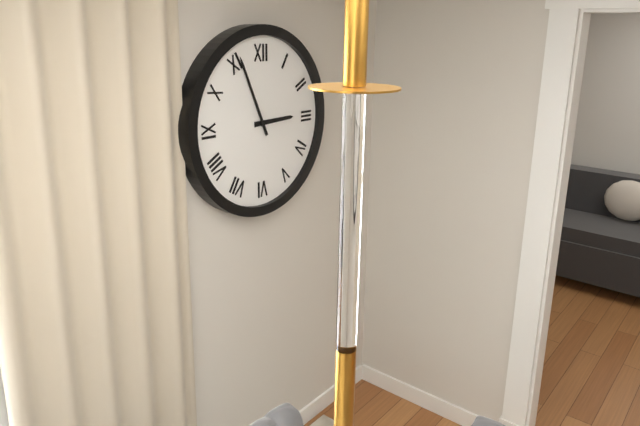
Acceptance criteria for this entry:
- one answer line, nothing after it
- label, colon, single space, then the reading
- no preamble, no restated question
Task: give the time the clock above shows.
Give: 2:56
